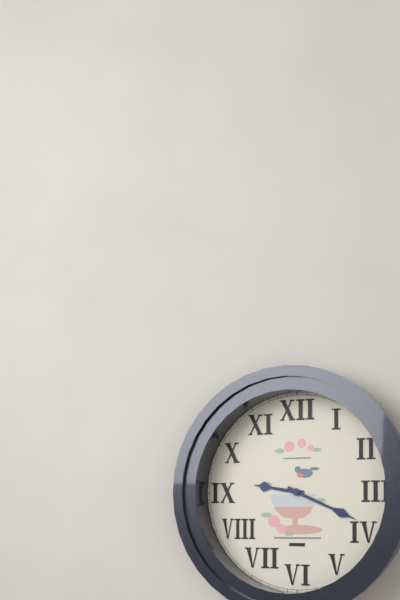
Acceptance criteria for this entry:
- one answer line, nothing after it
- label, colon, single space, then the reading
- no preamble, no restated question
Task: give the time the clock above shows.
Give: 9:19
